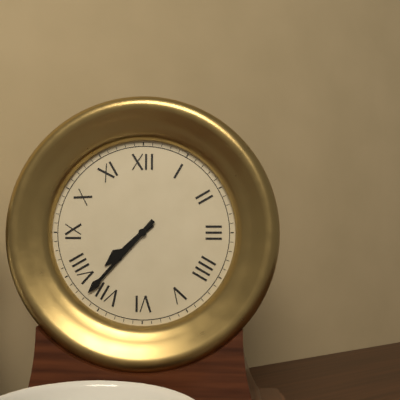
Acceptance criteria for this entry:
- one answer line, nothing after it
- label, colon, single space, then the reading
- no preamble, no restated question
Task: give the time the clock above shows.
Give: 7:37
